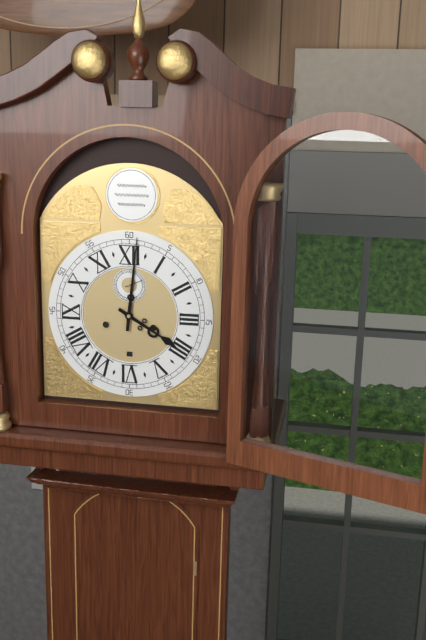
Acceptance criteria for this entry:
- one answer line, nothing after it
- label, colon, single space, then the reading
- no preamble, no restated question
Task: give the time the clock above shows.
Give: 4:01
